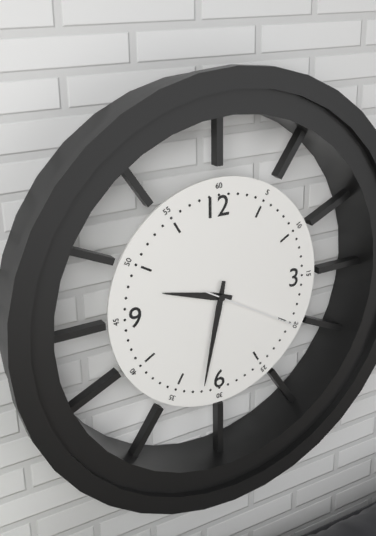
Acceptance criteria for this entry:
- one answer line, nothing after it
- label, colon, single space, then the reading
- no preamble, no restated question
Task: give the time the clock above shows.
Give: 9:32:20
